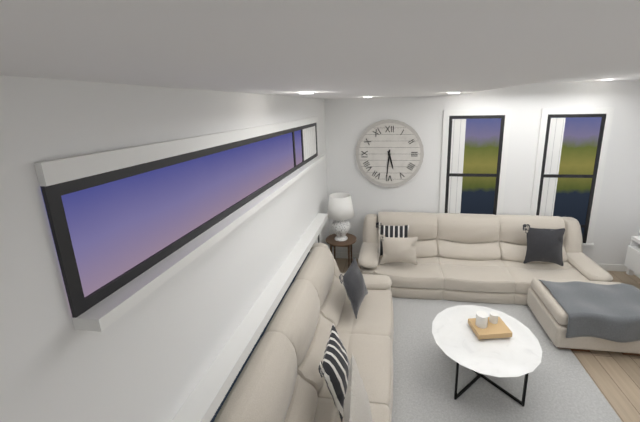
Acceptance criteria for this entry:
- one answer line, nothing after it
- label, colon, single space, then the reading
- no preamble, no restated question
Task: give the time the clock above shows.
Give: 5:31
